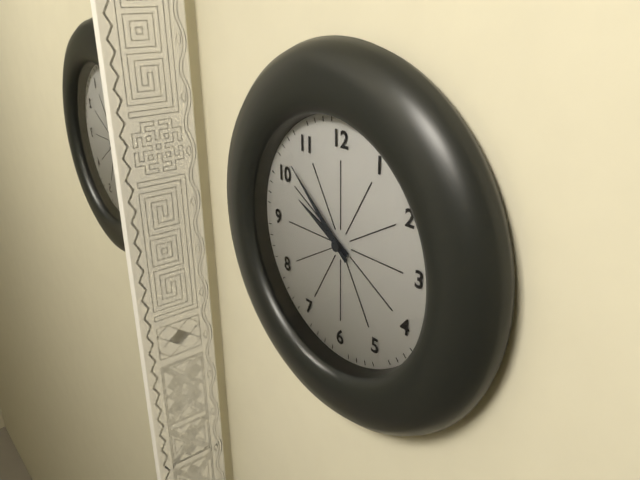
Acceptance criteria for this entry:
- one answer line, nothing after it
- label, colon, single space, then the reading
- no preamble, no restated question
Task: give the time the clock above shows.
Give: 9:52
